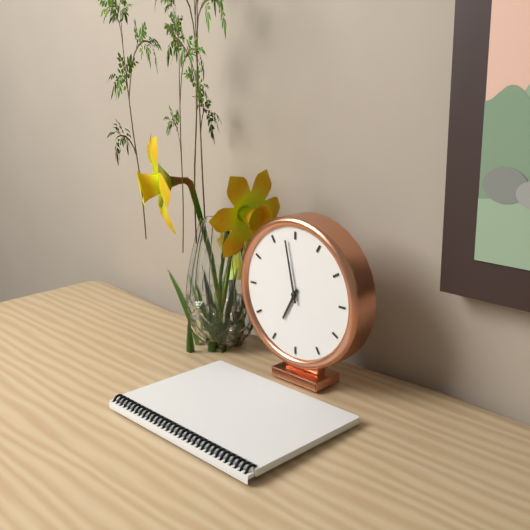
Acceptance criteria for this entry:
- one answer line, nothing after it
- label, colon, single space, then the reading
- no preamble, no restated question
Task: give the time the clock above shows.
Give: 6:58
